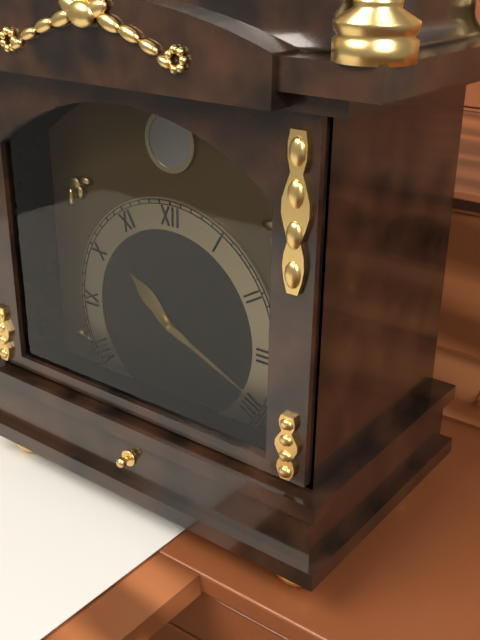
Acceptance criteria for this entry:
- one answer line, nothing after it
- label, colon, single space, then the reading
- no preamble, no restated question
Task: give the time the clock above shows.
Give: 10:19
